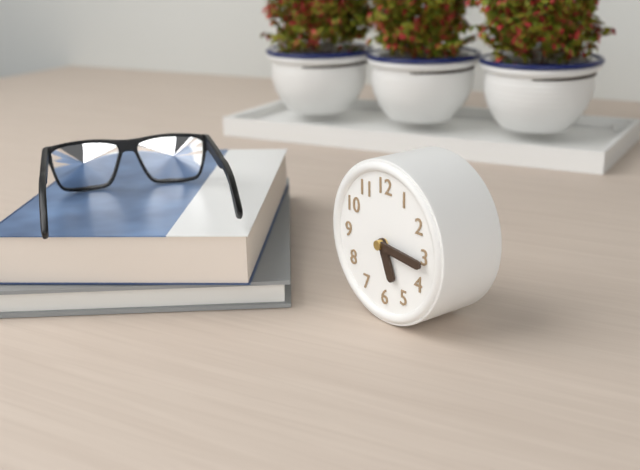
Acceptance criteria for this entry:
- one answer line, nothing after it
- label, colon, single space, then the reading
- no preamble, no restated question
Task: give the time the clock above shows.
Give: 5:16
